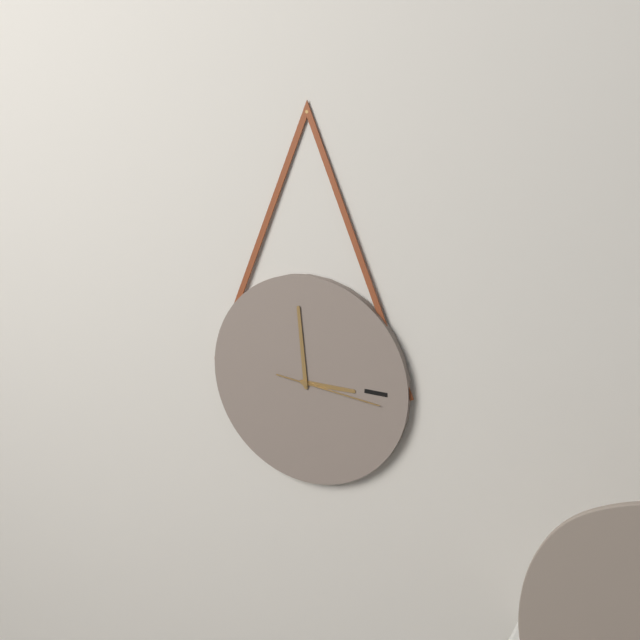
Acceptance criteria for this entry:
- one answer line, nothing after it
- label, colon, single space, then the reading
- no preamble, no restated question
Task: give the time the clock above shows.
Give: 2:59:16
